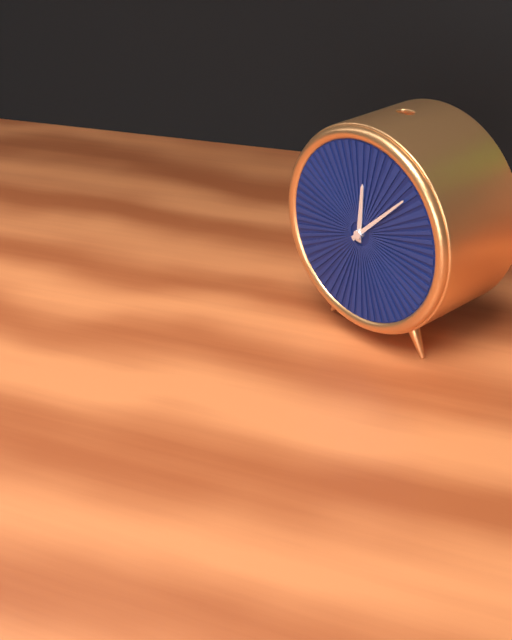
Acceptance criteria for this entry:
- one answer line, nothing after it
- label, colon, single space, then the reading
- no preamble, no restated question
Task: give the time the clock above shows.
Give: 12:08
